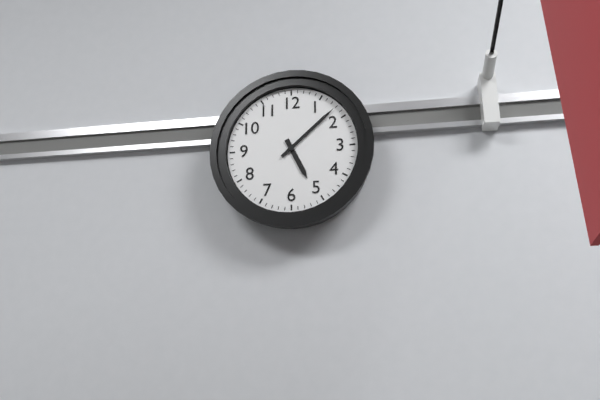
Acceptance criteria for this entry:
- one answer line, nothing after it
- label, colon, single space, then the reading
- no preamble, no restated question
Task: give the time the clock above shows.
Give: 5:08
